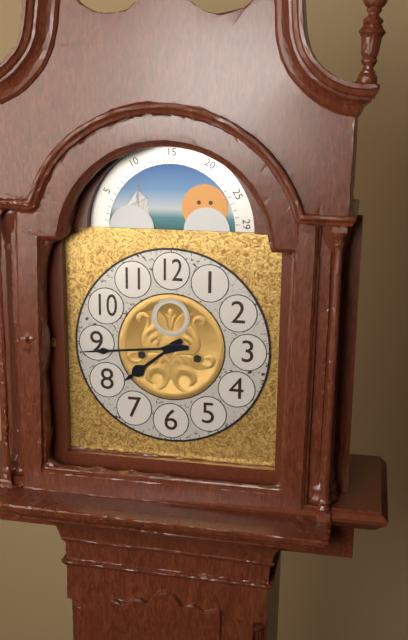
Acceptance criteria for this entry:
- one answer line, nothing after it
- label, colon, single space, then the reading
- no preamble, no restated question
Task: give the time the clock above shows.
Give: 7:44
